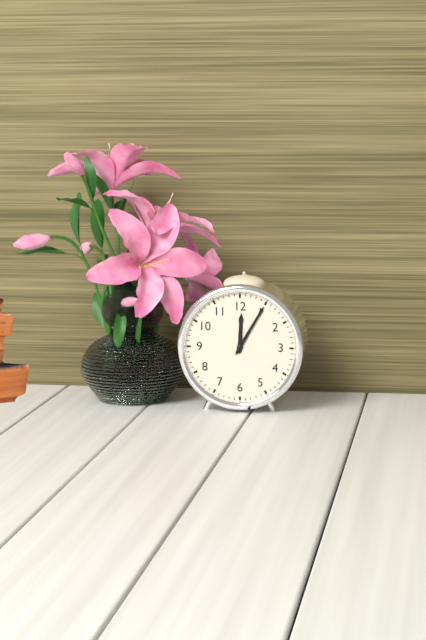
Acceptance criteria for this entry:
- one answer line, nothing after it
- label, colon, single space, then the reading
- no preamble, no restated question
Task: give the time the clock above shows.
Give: 12:05
